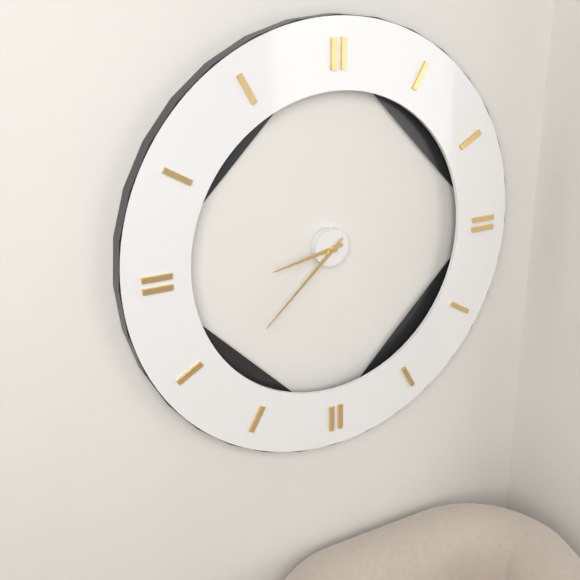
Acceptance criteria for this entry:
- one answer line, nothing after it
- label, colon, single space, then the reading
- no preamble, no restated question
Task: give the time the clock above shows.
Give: 8:38
